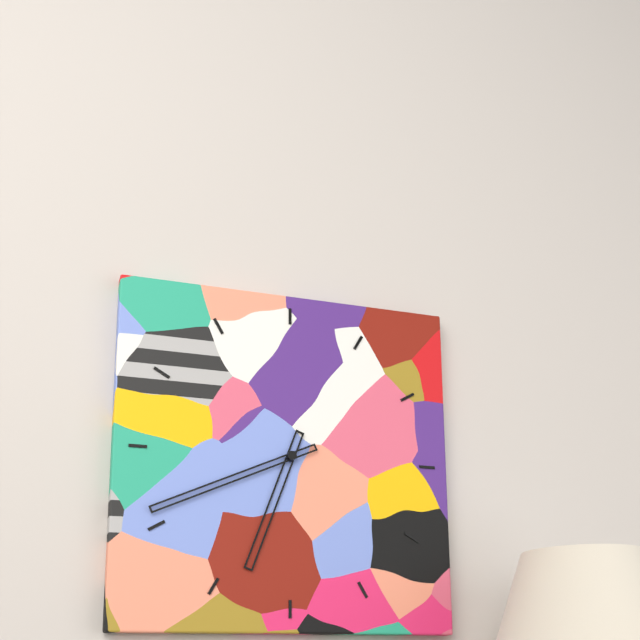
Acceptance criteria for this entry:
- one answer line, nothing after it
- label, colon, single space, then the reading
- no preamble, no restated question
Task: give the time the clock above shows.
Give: 6:41
